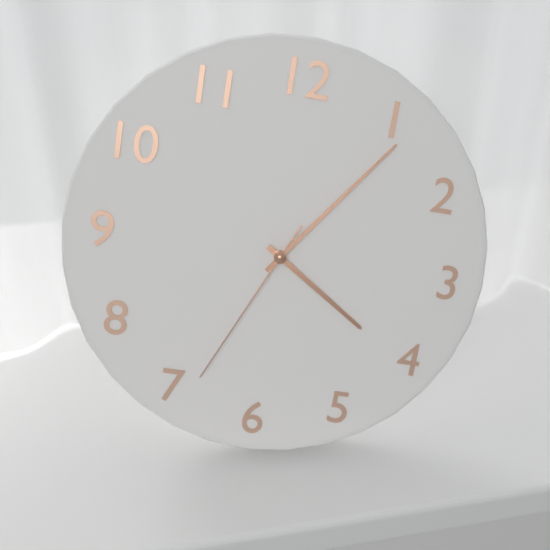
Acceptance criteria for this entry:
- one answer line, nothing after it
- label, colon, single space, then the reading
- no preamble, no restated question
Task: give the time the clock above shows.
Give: 4:06:34
